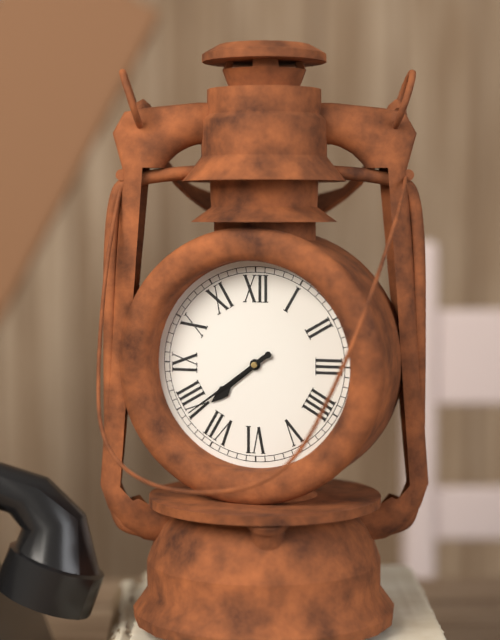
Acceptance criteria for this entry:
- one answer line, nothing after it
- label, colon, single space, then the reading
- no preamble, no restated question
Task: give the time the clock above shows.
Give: 7:39
